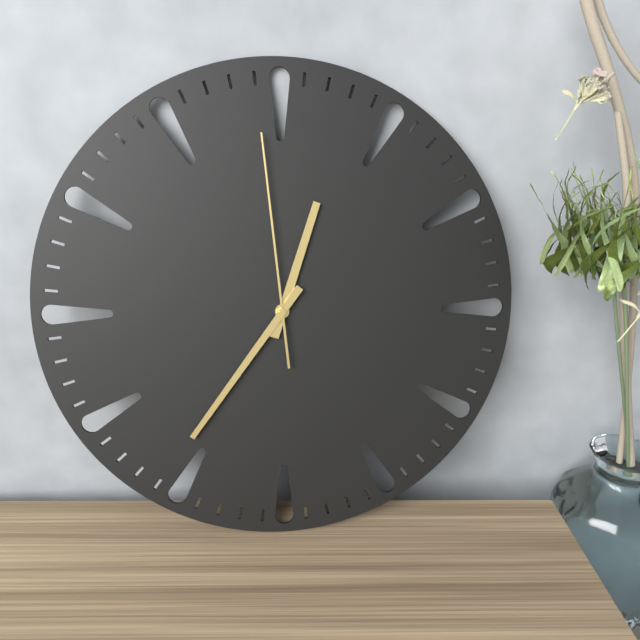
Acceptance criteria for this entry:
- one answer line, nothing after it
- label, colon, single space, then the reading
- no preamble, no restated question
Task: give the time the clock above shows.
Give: 12:36:59
